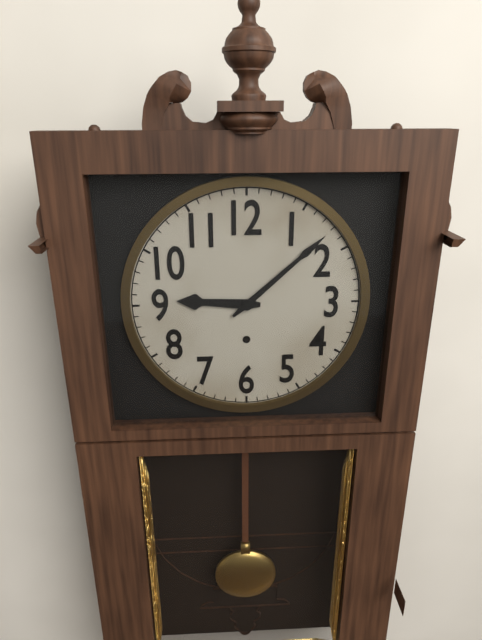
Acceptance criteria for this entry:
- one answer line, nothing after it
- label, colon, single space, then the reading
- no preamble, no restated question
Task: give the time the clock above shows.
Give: 9:08
